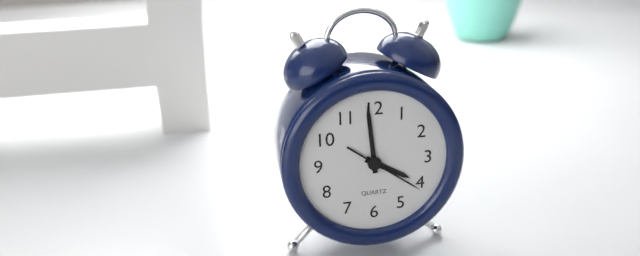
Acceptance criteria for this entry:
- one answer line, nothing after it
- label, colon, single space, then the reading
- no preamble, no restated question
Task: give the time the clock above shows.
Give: 3:59:21
